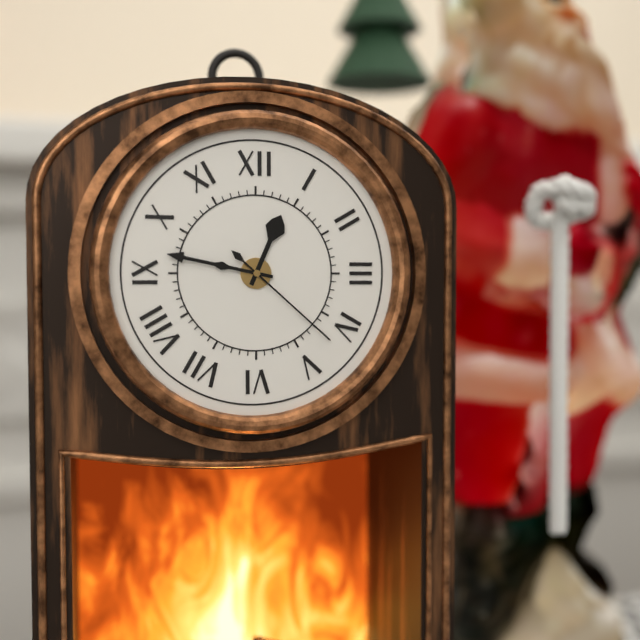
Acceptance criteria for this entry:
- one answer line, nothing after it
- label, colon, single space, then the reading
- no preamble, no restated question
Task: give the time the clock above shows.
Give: 12:47:22
